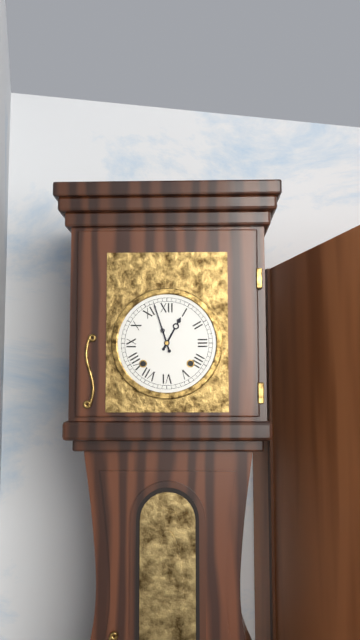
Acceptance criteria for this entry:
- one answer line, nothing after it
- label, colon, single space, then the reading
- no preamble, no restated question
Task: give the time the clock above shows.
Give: 12:57
